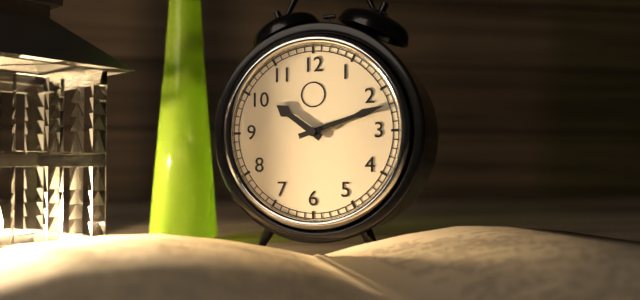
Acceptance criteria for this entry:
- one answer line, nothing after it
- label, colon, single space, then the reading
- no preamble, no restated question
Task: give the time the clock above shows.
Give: 10:12
